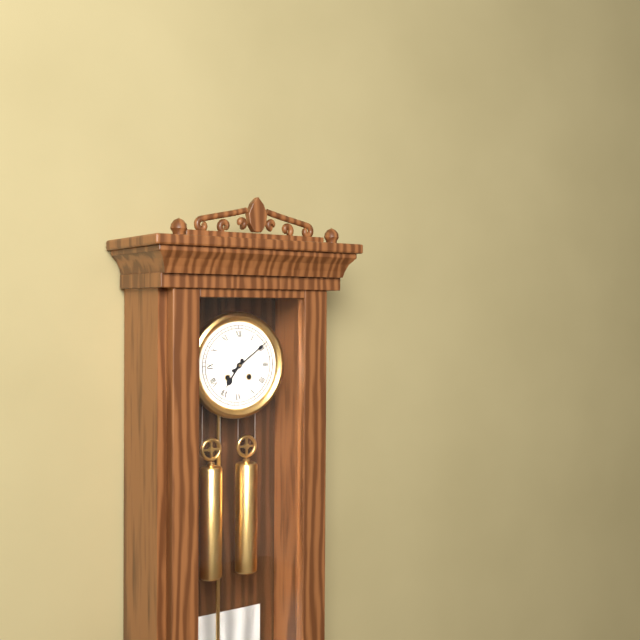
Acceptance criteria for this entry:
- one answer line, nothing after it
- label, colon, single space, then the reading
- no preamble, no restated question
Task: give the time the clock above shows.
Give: 7:09
